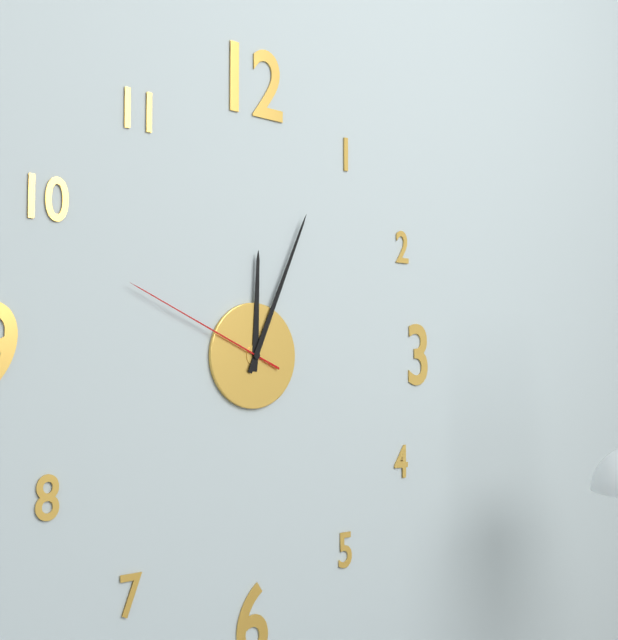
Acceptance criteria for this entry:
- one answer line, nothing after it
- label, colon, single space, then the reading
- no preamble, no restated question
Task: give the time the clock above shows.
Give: 12:04:49
